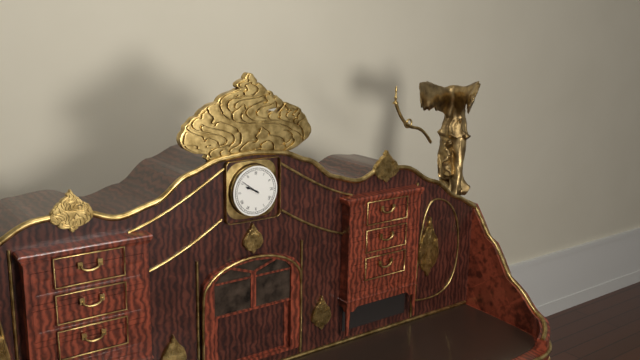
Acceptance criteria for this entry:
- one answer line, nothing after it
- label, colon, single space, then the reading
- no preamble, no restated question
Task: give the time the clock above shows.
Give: 9:51
